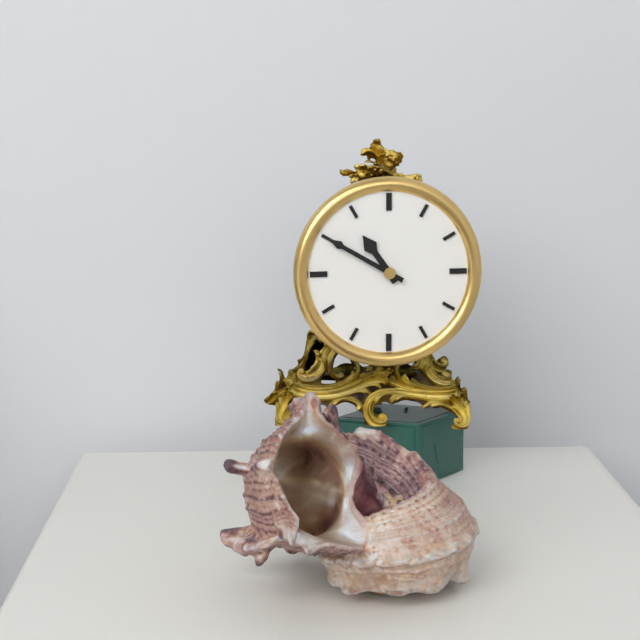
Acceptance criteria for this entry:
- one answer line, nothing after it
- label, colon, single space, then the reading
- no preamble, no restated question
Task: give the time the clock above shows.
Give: 10:50
